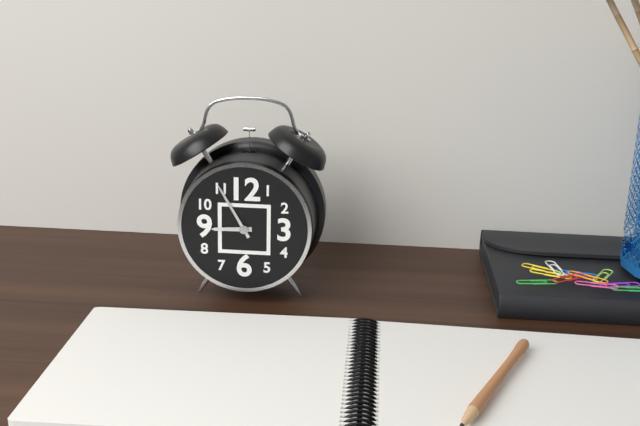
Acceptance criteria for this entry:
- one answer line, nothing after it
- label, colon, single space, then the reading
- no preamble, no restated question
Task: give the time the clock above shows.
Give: 8:55
